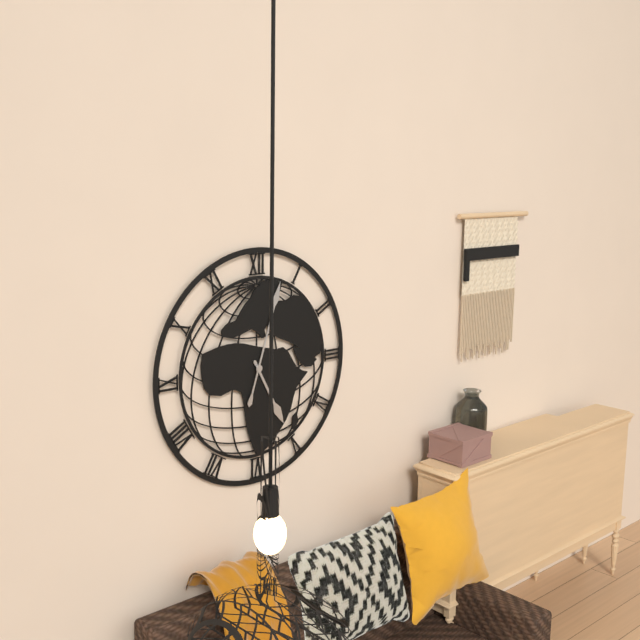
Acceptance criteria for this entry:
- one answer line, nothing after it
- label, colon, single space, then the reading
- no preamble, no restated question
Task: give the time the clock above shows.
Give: 5:03
